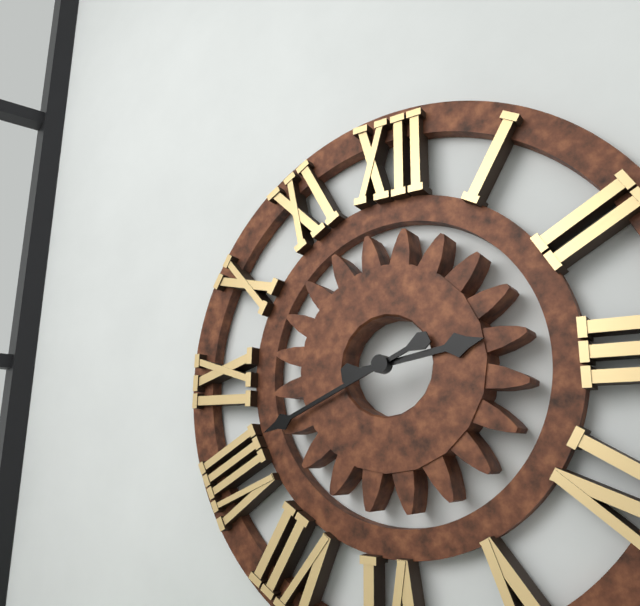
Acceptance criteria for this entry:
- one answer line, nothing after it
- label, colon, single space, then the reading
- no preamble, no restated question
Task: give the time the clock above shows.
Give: 2:41
